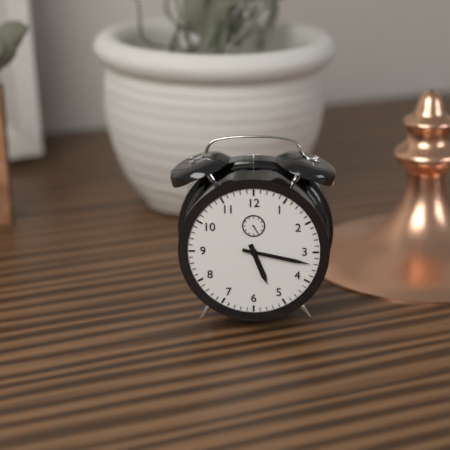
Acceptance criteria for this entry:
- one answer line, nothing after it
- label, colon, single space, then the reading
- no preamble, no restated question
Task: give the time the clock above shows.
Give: 5:17
